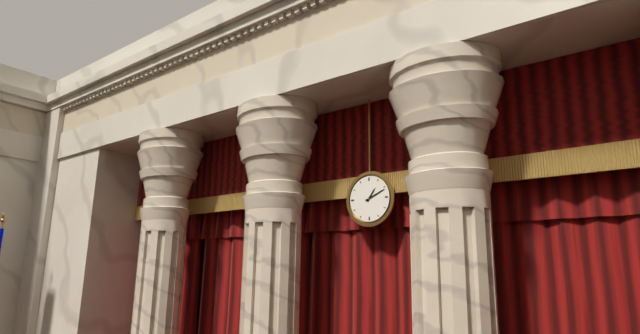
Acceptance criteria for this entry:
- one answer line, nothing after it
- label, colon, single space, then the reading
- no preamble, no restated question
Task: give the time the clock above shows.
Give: 1:11
